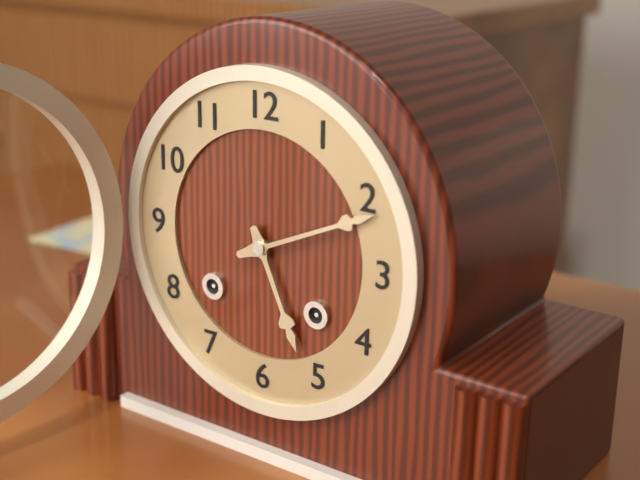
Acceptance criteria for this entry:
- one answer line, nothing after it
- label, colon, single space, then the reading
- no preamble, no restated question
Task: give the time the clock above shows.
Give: 5:11
